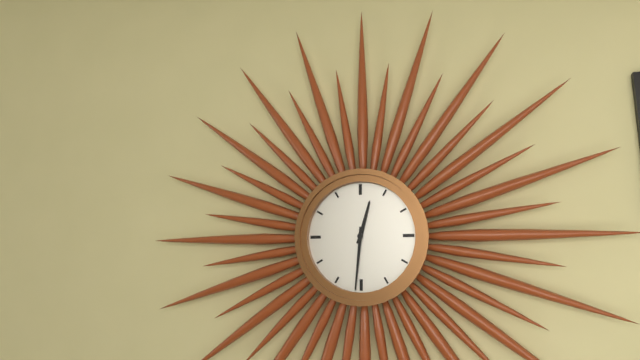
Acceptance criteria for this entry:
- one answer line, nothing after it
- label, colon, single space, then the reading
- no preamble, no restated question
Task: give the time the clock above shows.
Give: 12:31
